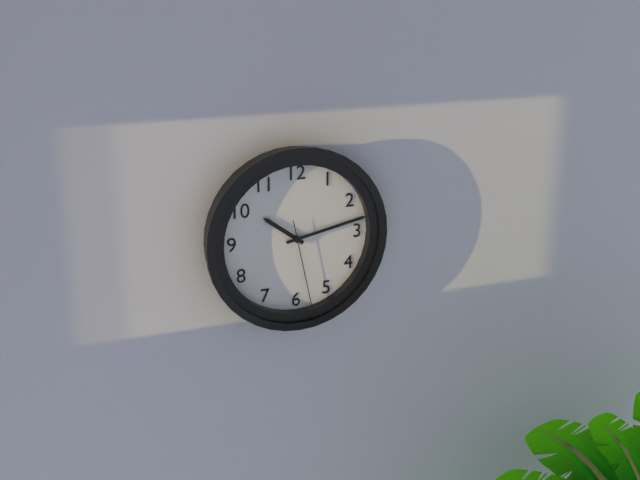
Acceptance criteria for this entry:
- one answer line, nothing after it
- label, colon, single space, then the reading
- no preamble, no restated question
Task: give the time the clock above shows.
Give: 10:13:28
